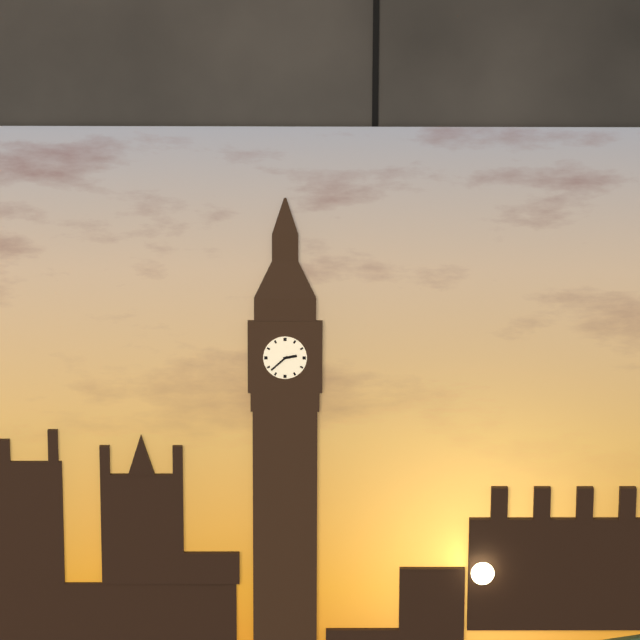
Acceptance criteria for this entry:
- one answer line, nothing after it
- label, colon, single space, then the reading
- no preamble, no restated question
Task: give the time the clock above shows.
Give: 2:38
